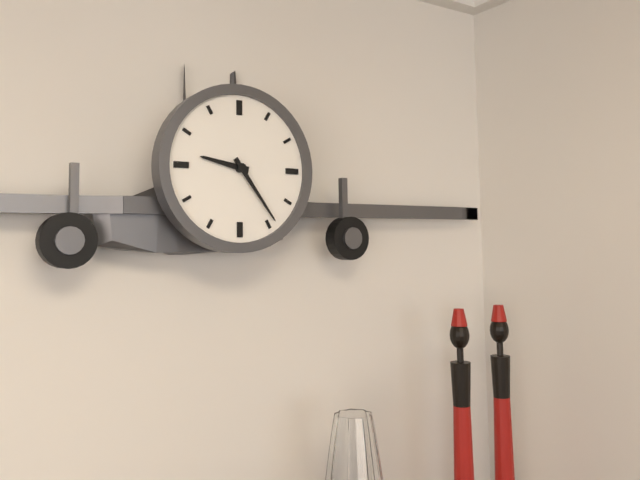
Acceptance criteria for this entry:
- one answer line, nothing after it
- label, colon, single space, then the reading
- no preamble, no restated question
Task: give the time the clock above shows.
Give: 9:24
